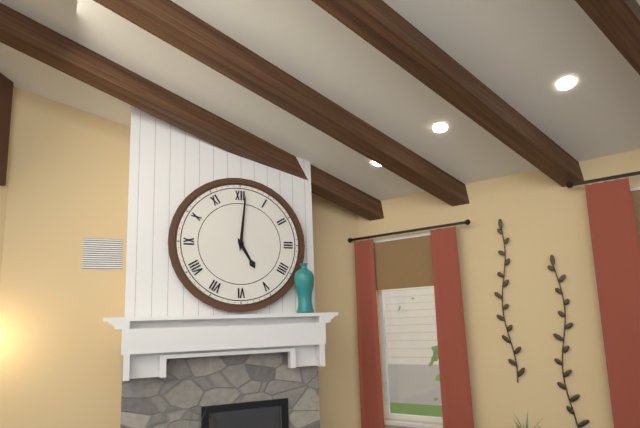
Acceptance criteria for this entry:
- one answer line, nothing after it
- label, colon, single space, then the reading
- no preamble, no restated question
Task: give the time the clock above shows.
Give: 5:01
